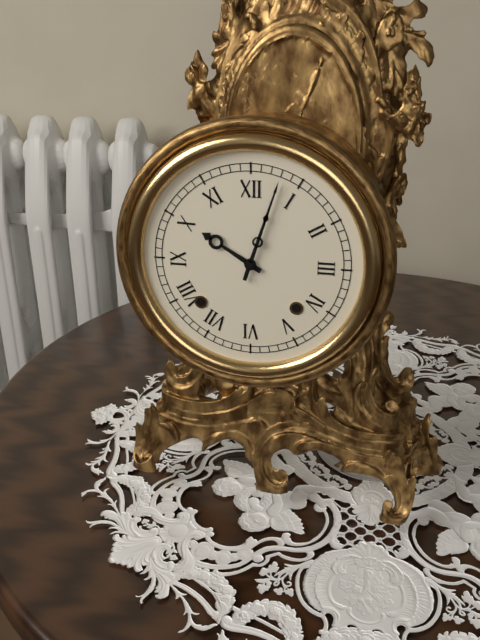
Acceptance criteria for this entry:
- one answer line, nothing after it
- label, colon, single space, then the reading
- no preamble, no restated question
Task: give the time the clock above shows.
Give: 10:03
